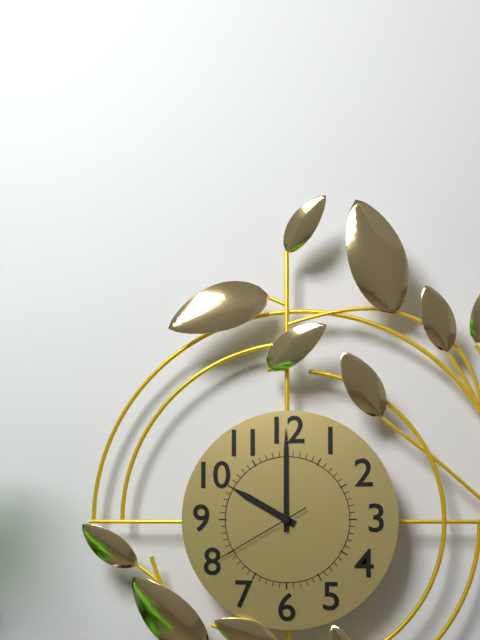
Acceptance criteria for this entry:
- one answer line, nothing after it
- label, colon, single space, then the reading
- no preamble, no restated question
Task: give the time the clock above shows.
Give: 10:00:40
